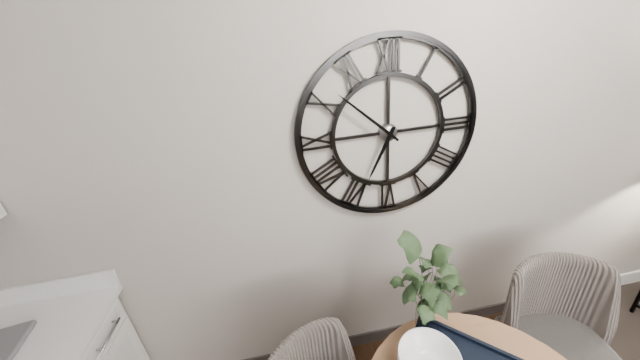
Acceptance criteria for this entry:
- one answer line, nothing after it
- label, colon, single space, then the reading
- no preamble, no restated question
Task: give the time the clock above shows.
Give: 6:52
